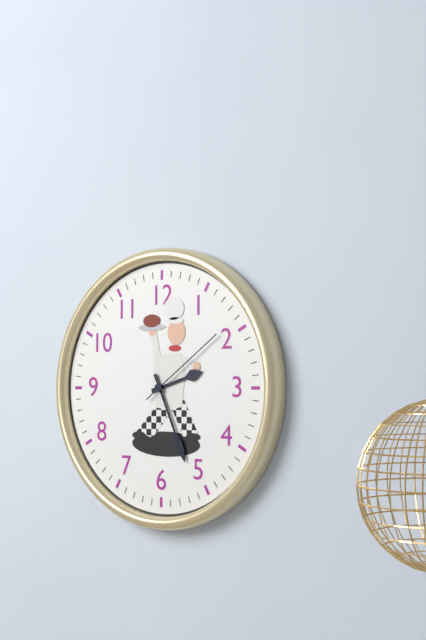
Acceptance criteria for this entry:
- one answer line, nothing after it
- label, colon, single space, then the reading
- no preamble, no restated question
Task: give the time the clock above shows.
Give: 2:26:09
